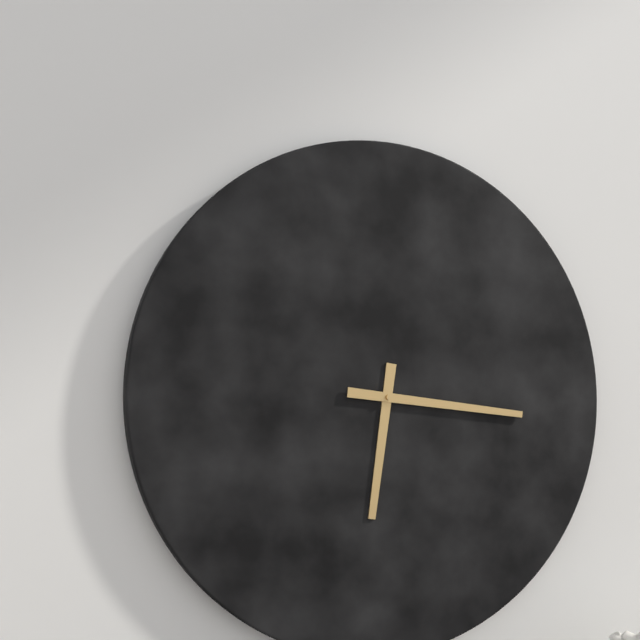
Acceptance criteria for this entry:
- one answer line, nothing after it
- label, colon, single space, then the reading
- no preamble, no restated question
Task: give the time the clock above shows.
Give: 6:16
